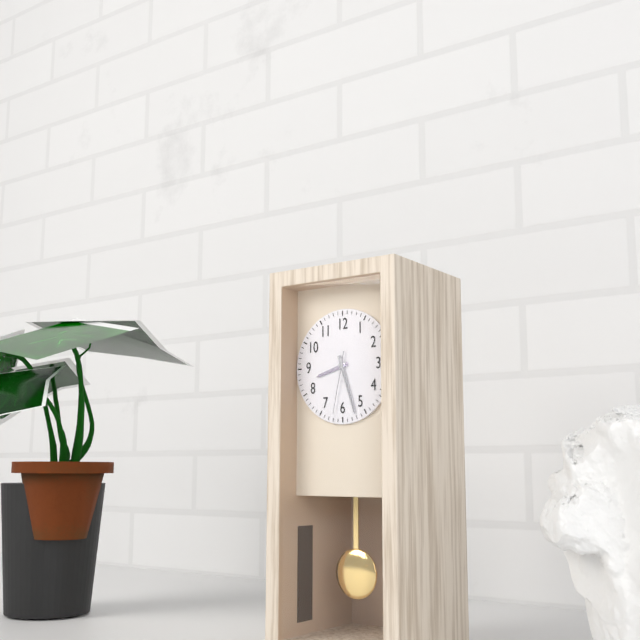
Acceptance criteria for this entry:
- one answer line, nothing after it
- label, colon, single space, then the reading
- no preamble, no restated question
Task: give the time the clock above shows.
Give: 8:27:32
